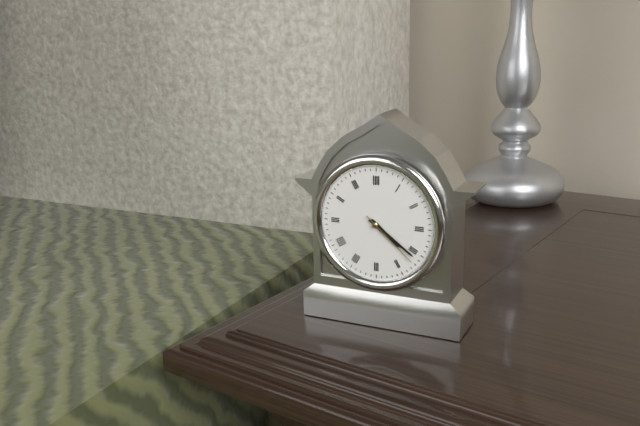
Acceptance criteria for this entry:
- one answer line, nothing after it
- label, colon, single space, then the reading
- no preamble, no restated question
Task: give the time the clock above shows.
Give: 4:21:22
